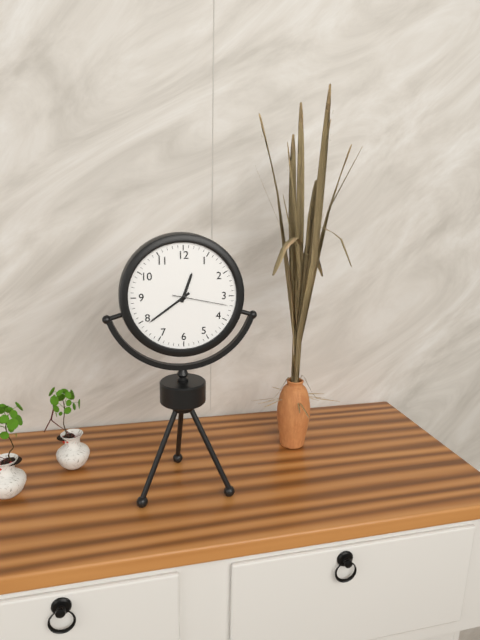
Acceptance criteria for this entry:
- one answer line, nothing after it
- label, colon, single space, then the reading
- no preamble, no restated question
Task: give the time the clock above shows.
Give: 12:39:17
